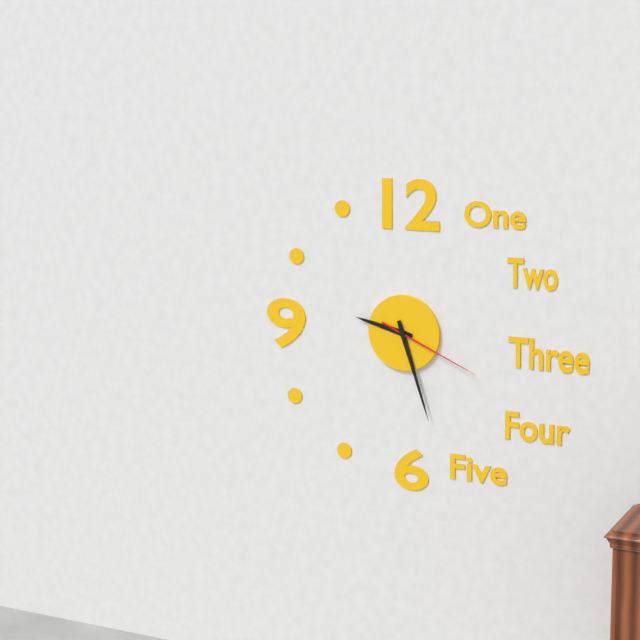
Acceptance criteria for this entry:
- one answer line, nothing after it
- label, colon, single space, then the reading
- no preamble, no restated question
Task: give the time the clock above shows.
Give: 9:27:19
